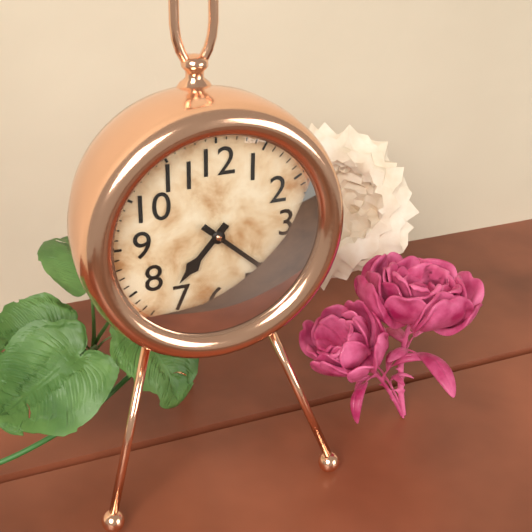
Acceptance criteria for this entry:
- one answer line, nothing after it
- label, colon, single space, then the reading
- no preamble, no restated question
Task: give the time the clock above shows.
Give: 7:22
